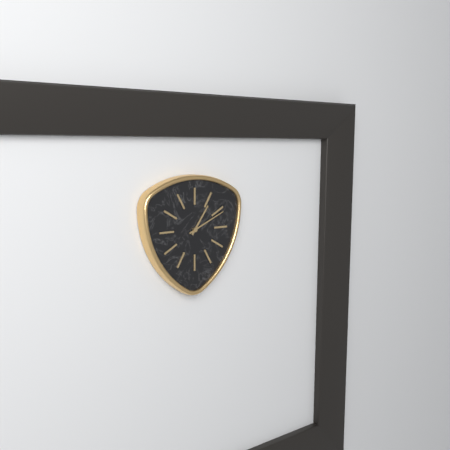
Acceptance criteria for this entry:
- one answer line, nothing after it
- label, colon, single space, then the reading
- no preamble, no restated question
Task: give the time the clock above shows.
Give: 1:11
